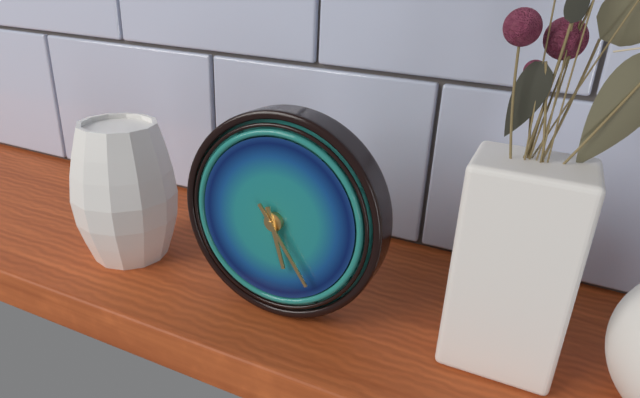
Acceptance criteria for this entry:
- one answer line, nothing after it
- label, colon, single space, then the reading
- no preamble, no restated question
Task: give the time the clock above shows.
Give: 5:24
